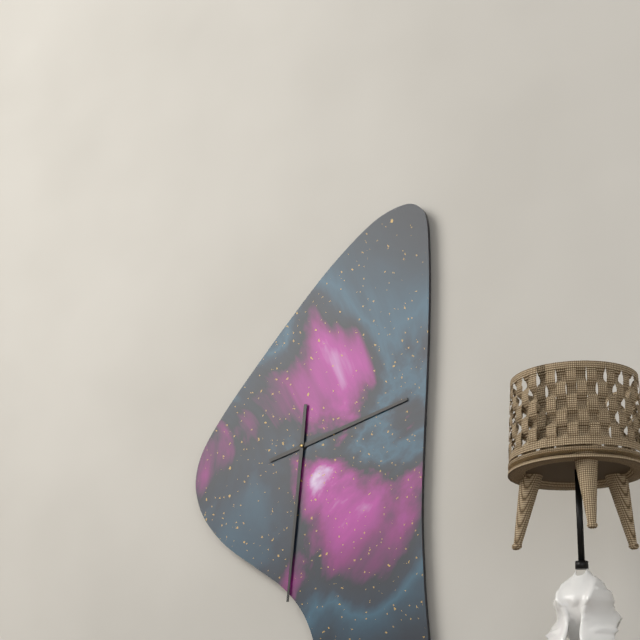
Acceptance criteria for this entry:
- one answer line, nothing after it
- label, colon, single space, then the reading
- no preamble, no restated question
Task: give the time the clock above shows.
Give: 2:31
